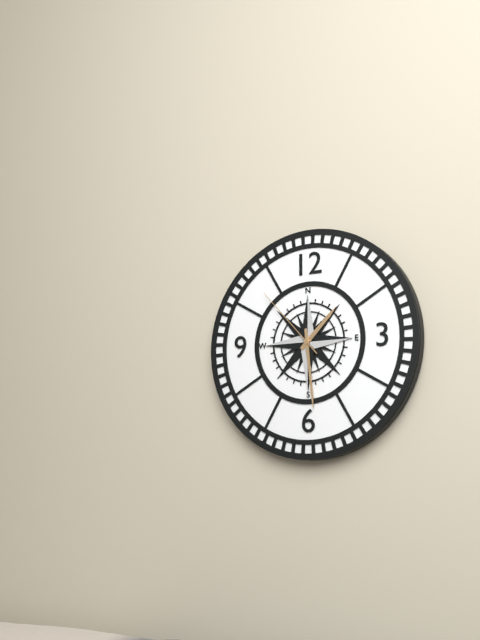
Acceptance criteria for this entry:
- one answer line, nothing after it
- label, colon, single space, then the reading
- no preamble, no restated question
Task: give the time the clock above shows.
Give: 1:29:53
